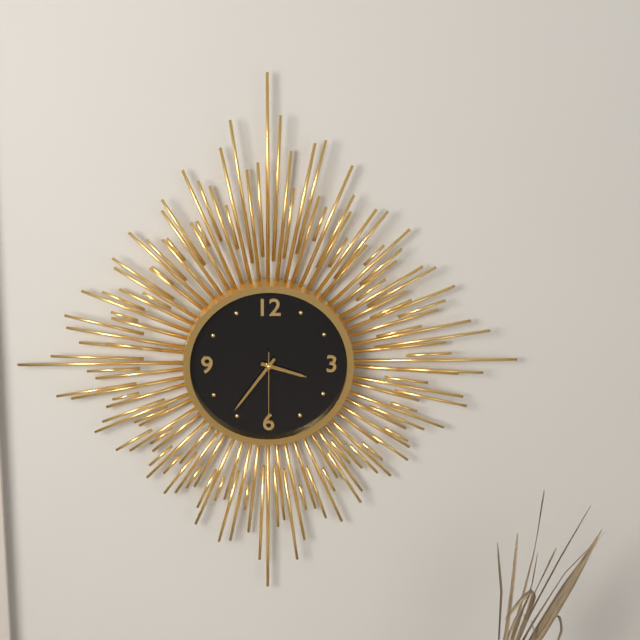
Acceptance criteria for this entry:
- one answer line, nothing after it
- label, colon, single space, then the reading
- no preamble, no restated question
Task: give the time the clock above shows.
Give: 3:36:30
